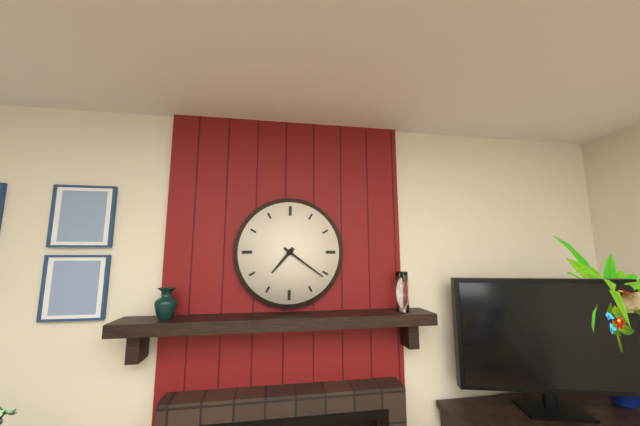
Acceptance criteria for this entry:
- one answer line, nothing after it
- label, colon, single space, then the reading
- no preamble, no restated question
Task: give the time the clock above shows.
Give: 7:21
